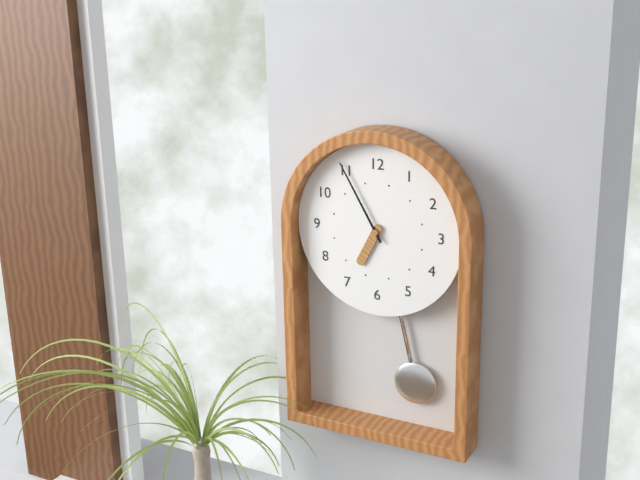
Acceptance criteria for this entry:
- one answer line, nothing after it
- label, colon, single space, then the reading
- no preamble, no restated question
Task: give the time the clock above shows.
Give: 6:55
